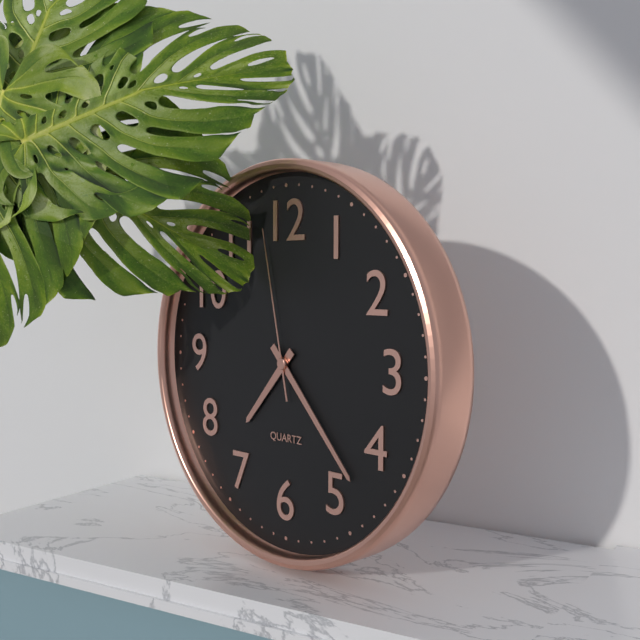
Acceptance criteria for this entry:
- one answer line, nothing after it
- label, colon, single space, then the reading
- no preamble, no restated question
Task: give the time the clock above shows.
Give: 7:23:58
